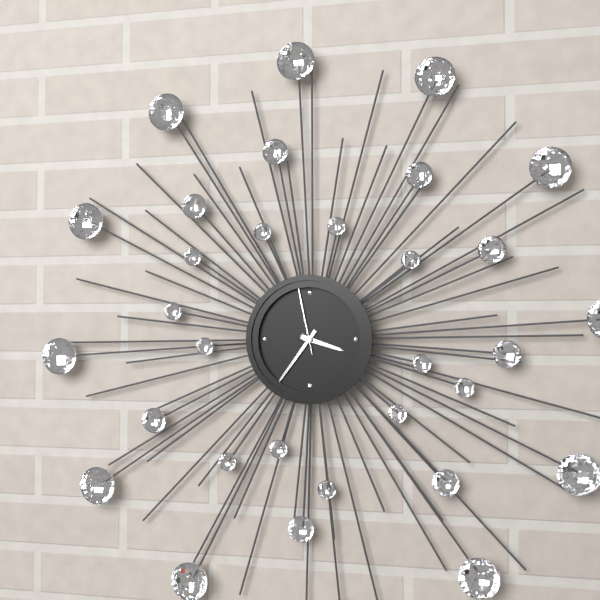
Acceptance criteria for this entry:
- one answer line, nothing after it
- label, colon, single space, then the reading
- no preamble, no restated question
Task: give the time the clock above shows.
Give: 3:36:58
